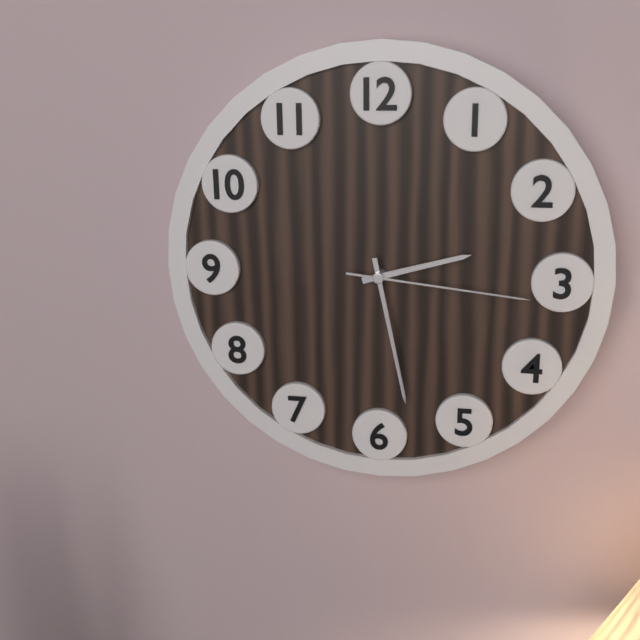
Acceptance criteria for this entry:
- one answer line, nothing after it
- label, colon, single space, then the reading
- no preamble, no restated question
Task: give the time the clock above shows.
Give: 2:28:16
